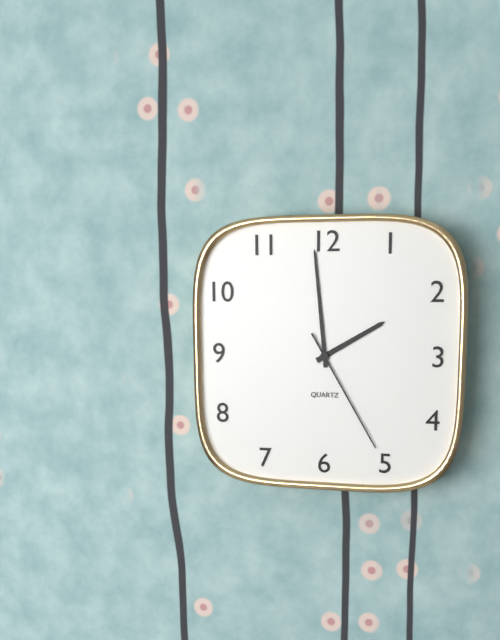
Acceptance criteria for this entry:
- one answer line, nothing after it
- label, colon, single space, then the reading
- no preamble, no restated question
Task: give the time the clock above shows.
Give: 1:59:25
